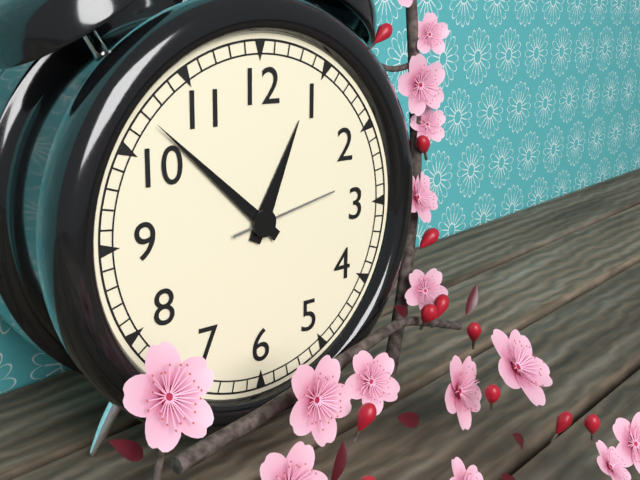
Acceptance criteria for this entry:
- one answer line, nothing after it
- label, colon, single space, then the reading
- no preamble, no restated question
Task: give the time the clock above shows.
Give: 12:52:13
